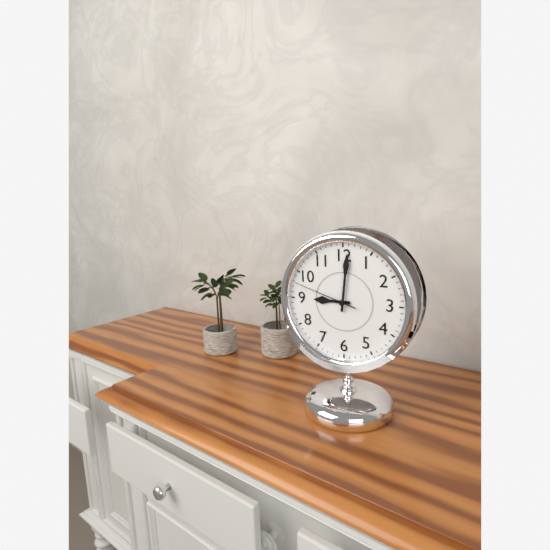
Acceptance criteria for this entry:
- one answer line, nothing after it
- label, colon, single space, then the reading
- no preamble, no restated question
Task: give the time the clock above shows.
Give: 9:01:48
